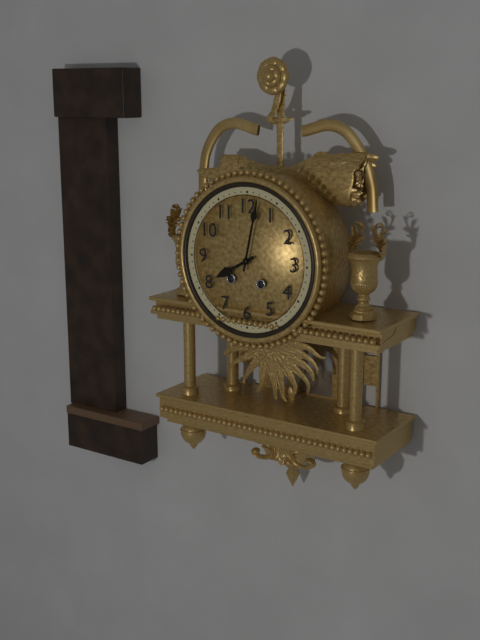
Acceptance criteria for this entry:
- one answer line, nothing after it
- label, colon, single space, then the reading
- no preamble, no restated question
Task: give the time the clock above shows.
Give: 8:02
